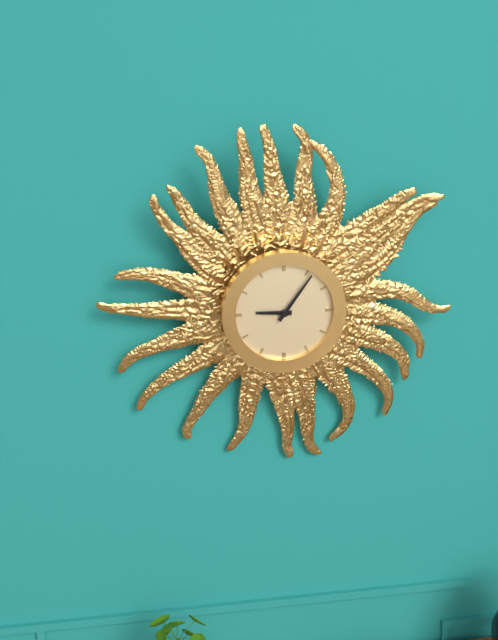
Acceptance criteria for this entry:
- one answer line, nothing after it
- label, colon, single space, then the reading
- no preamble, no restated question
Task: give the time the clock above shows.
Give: 9:06
